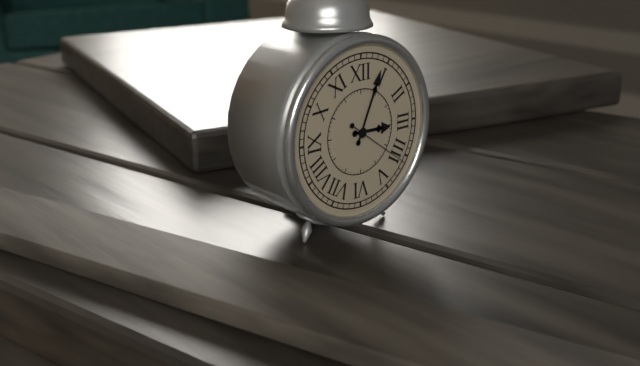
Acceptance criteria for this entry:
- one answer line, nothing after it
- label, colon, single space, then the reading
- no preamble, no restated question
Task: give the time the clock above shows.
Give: 3:04:21
